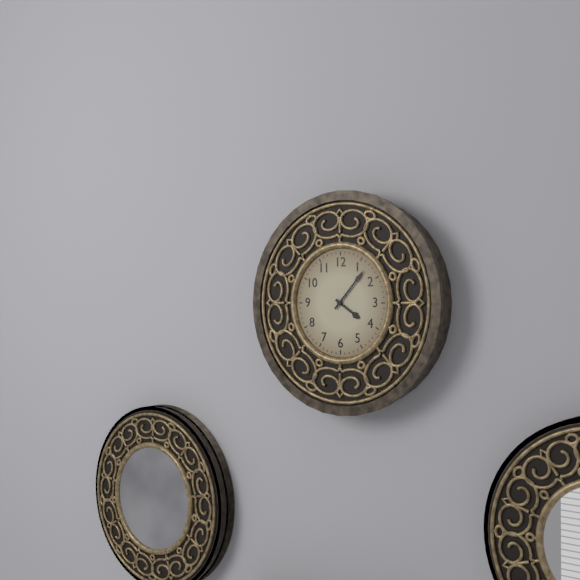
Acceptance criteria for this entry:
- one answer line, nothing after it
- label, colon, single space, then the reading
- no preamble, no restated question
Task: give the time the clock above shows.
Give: 4:07
